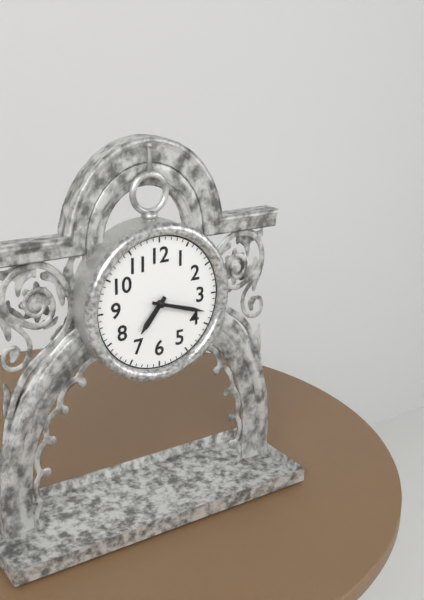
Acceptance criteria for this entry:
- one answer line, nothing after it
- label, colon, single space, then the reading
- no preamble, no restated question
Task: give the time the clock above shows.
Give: 7:18
